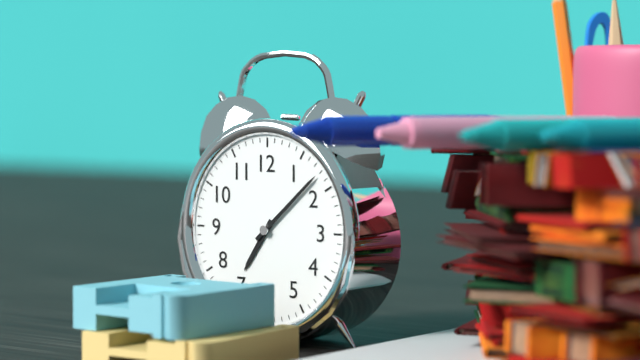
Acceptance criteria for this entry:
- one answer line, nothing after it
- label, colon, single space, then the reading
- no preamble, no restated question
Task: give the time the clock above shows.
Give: 7:08
